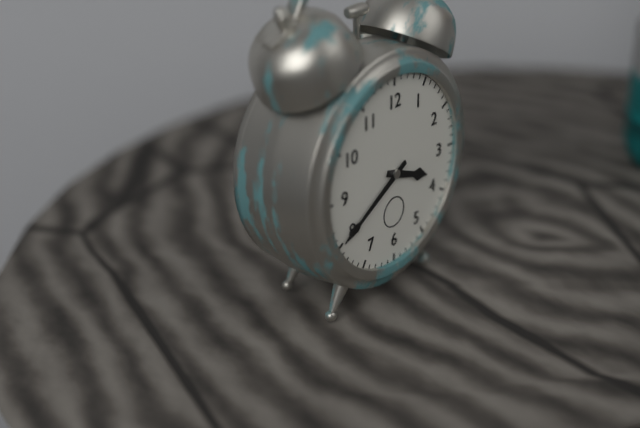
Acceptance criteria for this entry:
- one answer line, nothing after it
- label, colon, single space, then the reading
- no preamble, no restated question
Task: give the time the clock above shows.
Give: 3:40
